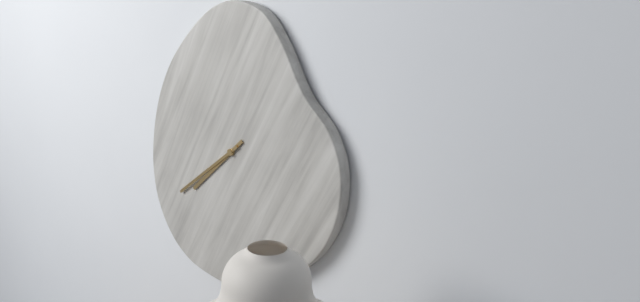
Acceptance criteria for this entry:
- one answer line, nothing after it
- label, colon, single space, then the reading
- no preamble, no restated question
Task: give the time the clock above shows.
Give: 7:39
